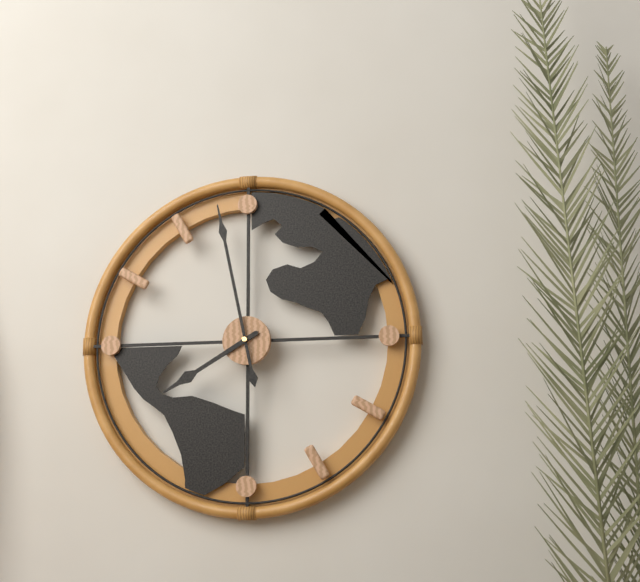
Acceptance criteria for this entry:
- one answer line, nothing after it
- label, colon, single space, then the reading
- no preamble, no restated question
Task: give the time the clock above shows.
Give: 7:58
